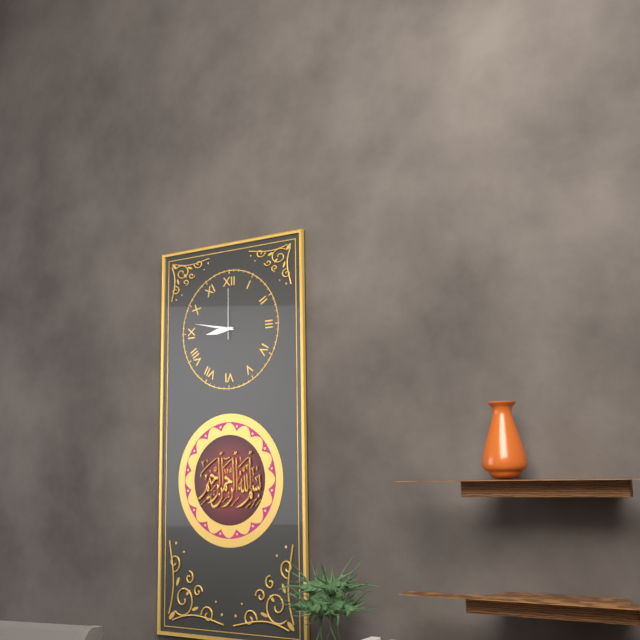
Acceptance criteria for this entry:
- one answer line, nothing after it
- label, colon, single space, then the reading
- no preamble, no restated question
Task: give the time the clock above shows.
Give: 8:47:00
